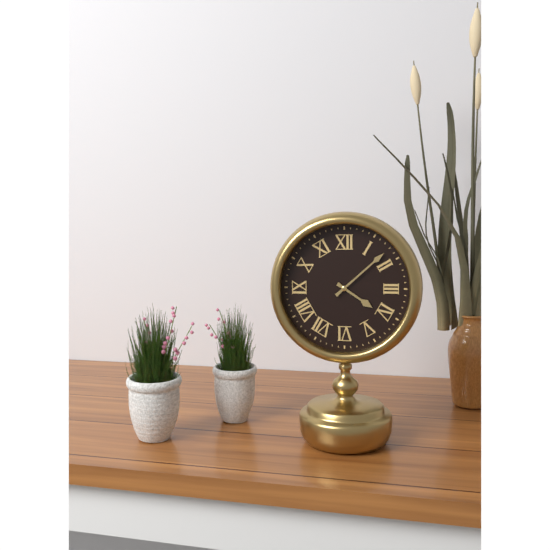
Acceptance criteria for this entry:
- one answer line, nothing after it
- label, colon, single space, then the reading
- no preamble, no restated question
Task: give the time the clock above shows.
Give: 4:08
